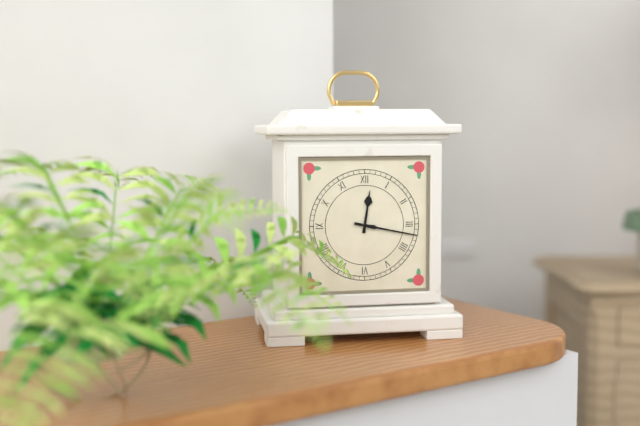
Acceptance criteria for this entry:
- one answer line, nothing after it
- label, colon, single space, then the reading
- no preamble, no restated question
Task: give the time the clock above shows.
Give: 12:17
